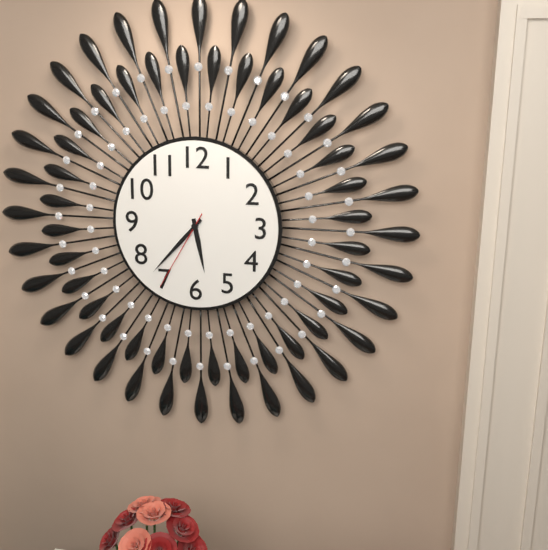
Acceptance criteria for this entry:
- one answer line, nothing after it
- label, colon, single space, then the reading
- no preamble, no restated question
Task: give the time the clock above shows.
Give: 5:37:35
